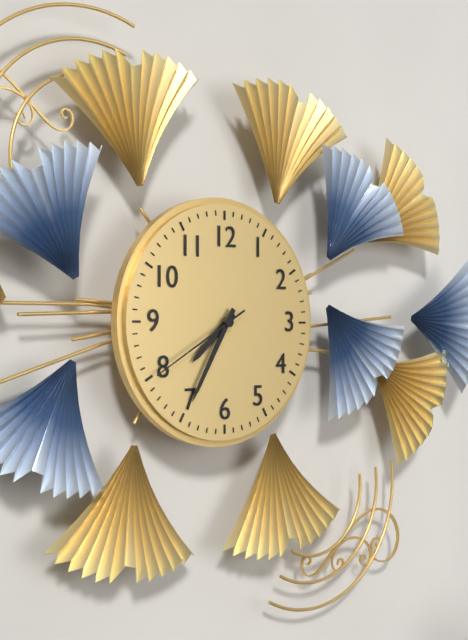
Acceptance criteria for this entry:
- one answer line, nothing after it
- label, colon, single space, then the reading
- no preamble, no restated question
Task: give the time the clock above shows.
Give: 7:35:40
